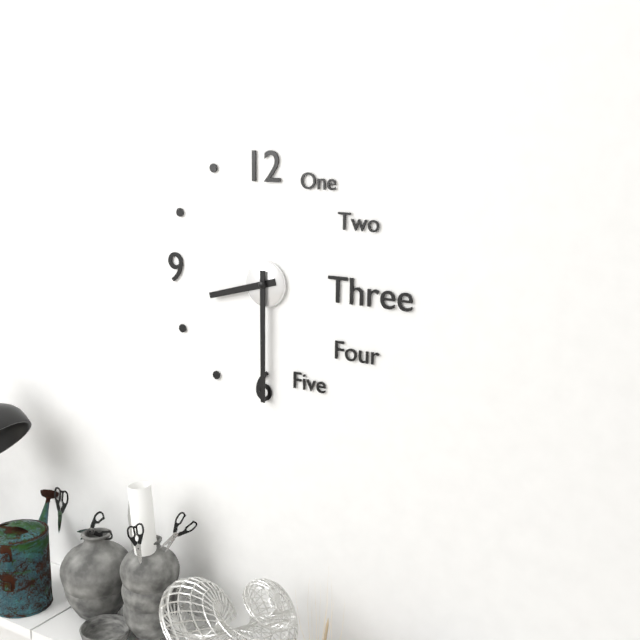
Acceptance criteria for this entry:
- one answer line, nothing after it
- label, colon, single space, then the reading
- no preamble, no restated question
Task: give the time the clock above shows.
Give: 8:30
